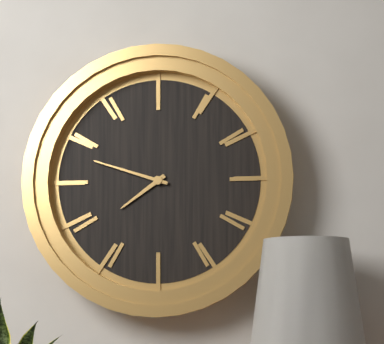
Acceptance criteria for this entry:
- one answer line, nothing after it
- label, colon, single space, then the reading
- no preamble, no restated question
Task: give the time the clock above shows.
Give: 7:48
